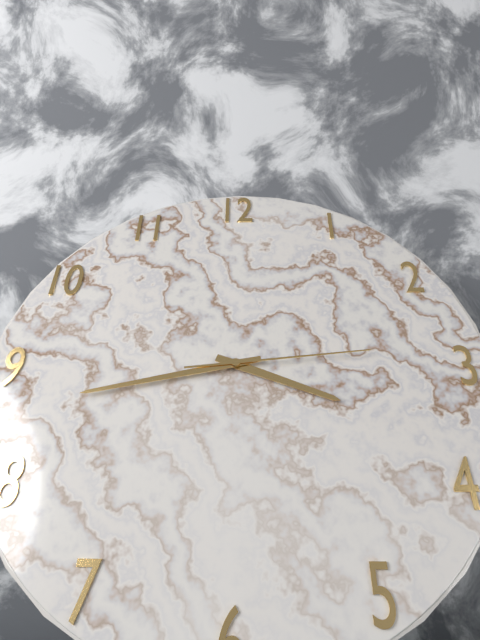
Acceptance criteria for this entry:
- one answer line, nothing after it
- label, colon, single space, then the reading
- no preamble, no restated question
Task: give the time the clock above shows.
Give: 3:43:14
